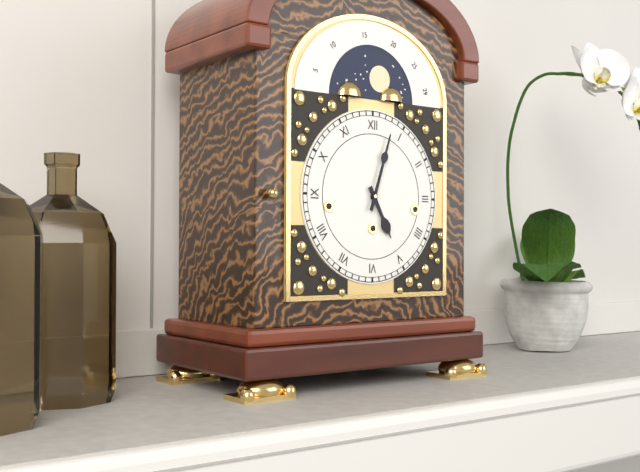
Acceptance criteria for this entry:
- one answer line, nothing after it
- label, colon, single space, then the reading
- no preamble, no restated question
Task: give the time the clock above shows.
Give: 5:03
